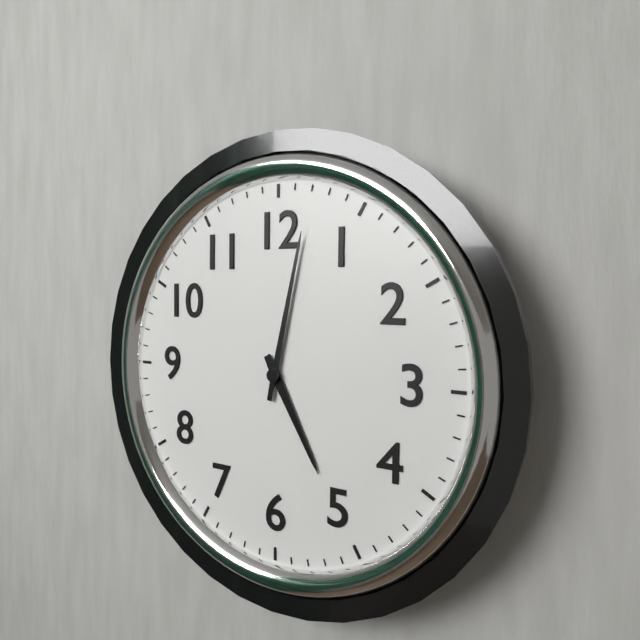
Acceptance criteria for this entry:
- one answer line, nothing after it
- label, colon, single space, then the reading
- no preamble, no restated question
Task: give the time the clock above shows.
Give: 5:02
